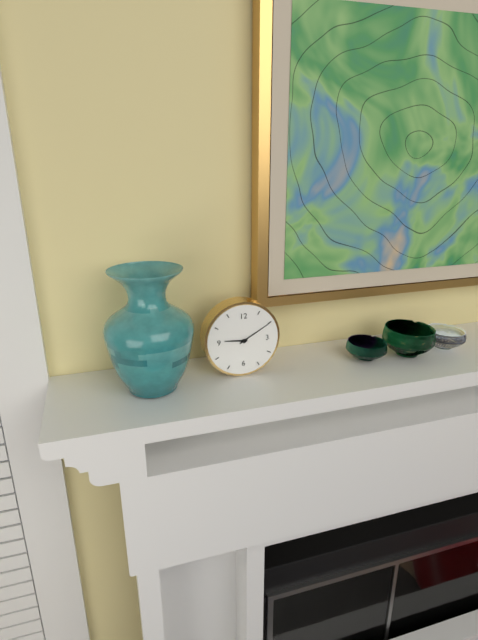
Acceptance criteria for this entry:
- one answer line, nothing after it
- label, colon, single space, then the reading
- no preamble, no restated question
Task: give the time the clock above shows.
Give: 9:10
